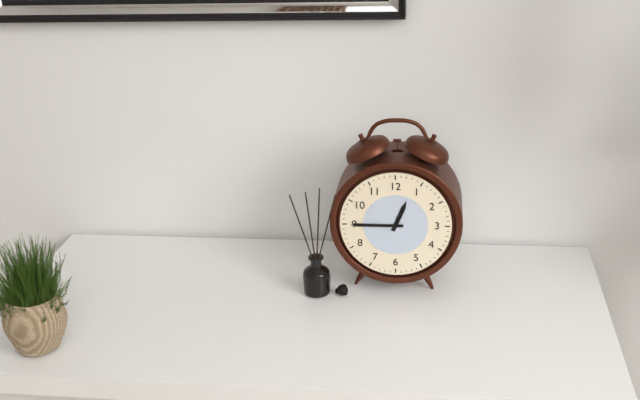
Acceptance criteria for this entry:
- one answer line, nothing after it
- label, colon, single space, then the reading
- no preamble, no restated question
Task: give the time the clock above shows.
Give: 12:45
